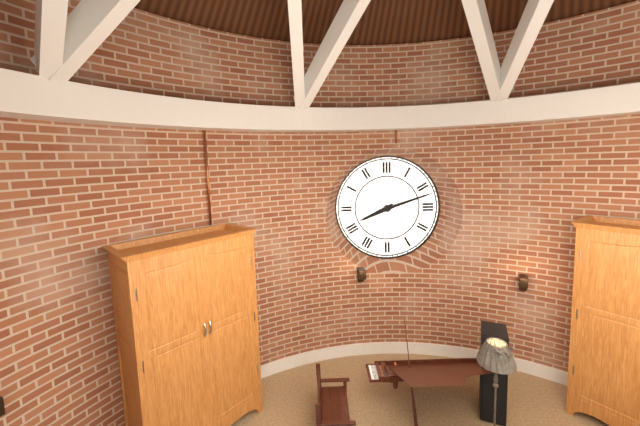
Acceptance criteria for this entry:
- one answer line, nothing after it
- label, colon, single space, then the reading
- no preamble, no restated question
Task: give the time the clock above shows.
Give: 8:12
